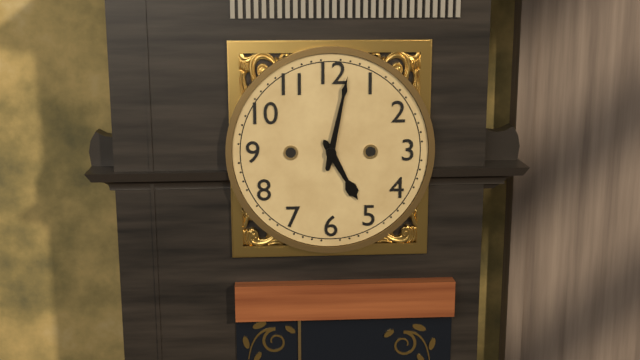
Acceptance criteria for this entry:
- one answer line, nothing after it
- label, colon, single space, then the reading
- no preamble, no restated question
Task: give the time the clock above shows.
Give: 5:02
